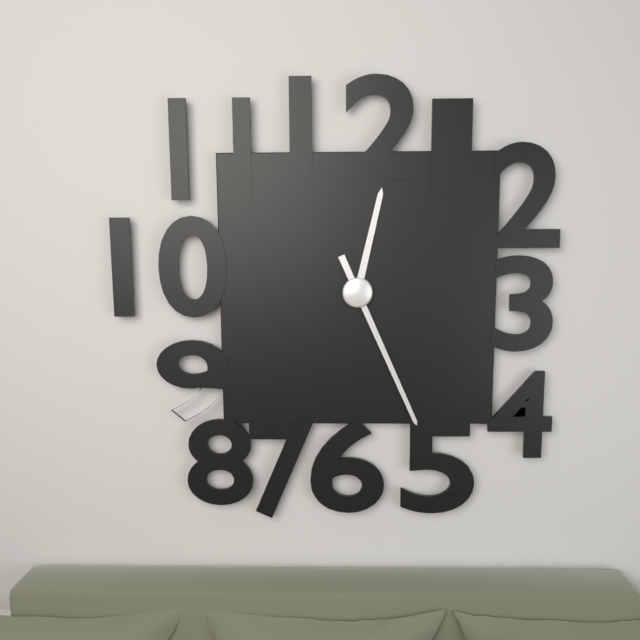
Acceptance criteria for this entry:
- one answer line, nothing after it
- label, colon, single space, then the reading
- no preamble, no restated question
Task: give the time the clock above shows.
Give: 12:26
